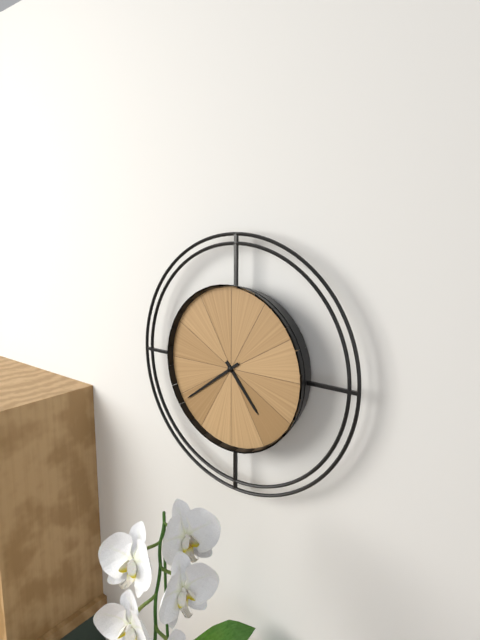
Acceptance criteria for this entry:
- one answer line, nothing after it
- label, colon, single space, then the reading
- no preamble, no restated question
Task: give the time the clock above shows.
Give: 4:39
